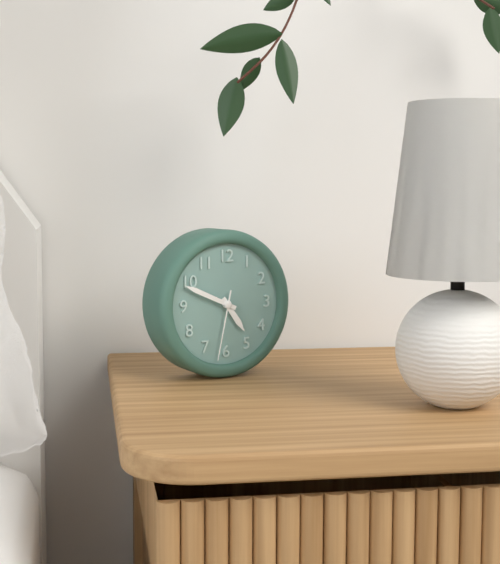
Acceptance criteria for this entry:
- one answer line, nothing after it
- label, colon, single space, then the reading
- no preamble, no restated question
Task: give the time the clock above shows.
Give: 4:49:32
